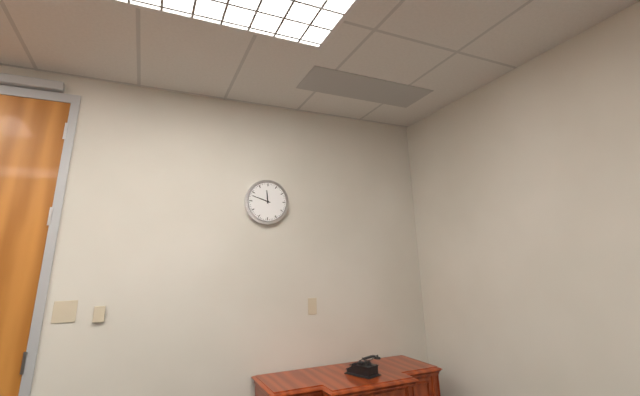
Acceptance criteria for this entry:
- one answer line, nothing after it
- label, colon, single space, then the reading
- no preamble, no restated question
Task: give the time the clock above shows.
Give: 11:48
